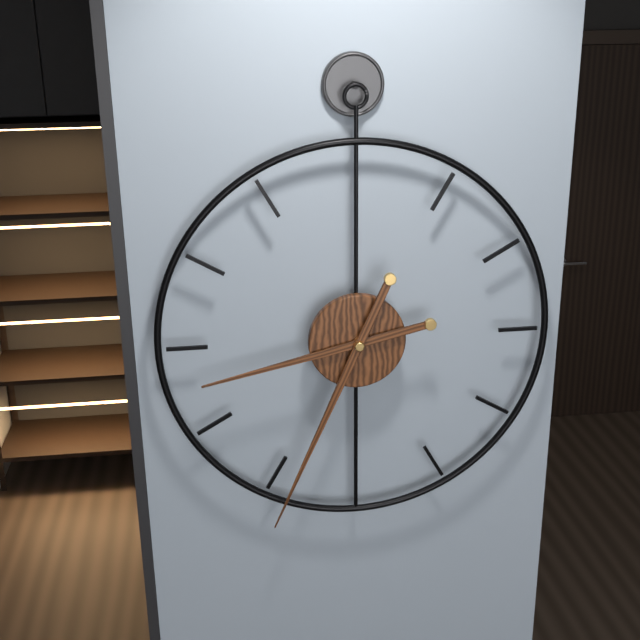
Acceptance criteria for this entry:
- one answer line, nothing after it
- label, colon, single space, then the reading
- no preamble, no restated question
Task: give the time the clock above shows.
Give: 8:34
